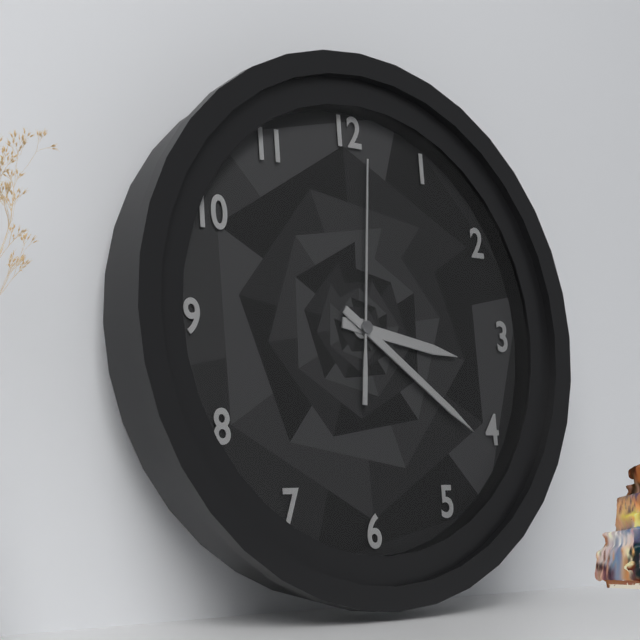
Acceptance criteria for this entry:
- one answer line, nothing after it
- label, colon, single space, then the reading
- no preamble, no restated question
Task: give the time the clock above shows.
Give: 3:21:01
